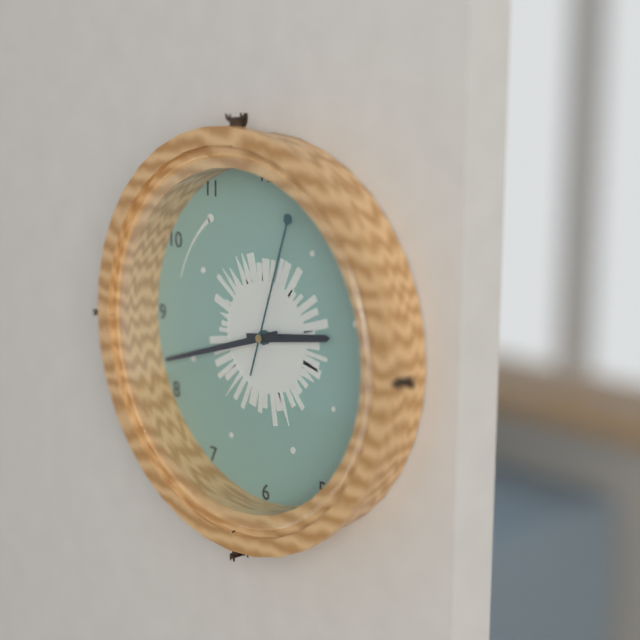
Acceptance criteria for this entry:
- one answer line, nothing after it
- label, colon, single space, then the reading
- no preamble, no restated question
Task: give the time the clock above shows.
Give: 2:42:03
